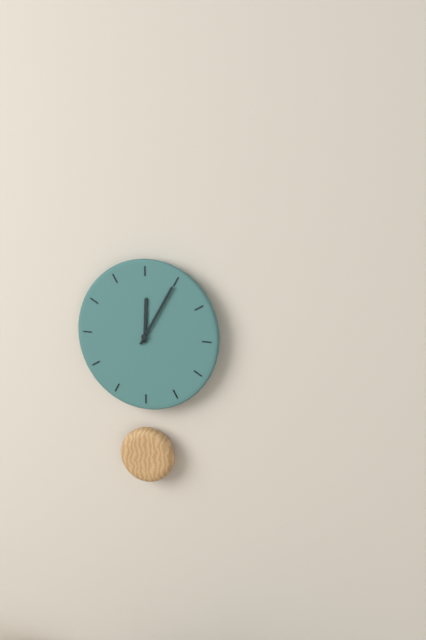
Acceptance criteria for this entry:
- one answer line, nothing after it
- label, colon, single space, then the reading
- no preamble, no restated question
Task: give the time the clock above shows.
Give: 12:05
